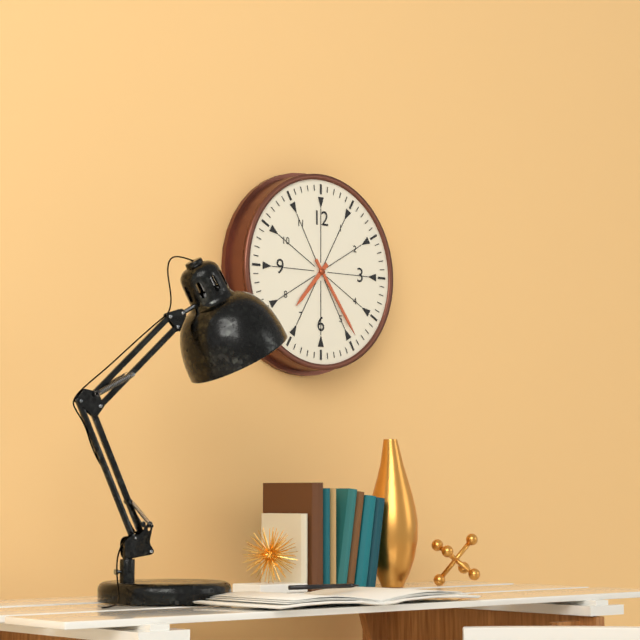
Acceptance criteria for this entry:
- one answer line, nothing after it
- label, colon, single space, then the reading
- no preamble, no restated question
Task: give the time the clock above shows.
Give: 7:24
